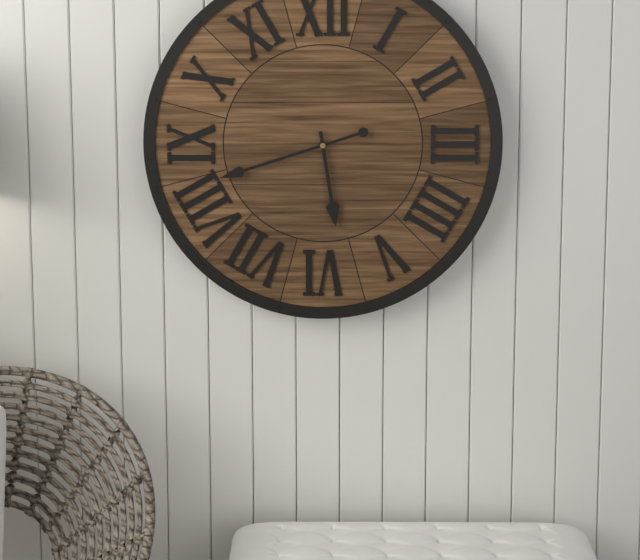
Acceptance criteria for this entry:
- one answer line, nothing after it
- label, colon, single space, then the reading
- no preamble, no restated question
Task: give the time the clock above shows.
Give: 5:42
